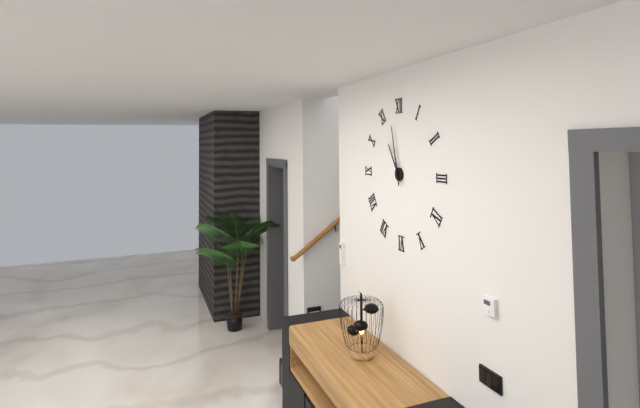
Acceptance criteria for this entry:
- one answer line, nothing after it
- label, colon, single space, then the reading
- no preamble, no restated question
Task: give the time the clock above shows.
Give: 10:58
